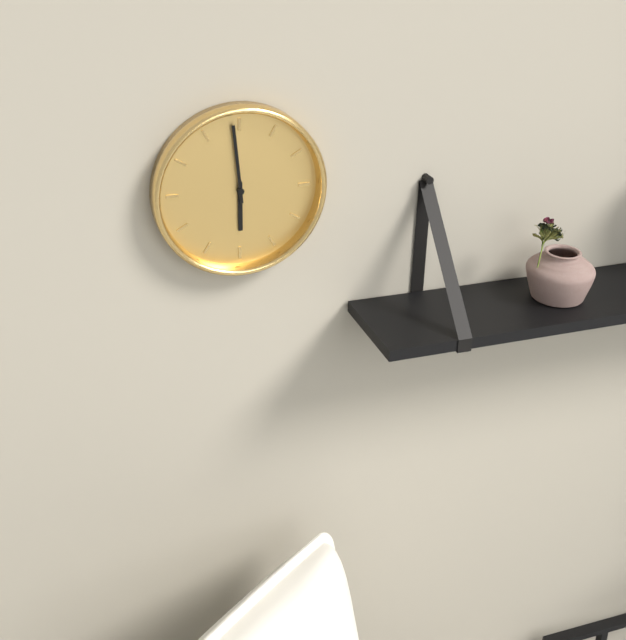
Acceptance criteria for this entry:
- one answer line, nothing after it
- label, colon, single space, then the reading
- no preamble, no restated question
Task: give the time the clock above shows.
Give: 5:59
